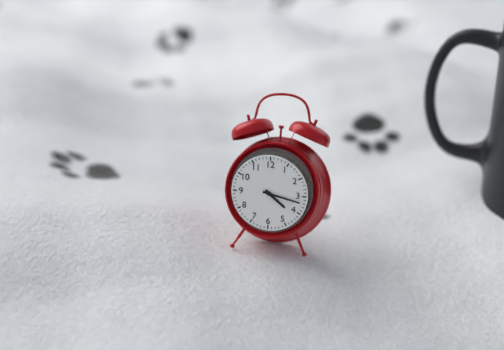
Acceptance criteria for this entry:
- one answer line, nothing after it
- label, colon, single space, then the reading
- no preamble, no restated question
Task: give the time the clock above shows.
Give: 4:17
